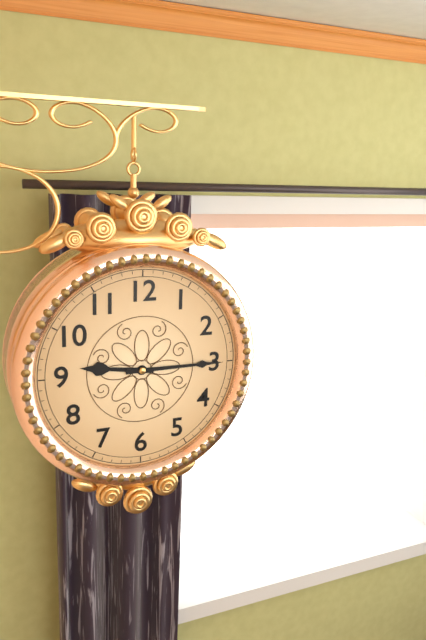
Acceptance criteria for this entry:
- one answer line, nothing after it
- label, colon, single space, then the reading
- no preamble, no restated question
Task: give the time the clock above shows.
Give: 9:15
